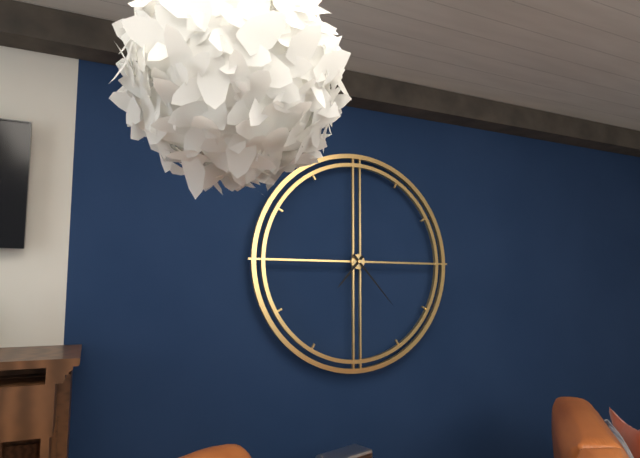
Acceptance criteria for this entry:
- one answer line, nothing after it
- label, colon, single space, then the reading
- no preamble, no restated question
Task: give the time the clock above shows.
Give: 7:23
